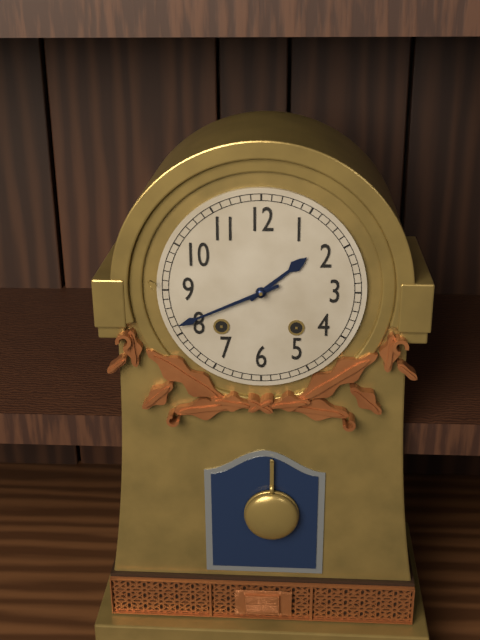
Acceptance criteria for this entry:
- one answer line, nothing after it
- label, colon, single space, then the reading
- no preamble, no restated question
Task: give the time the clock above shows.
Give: 1:41
